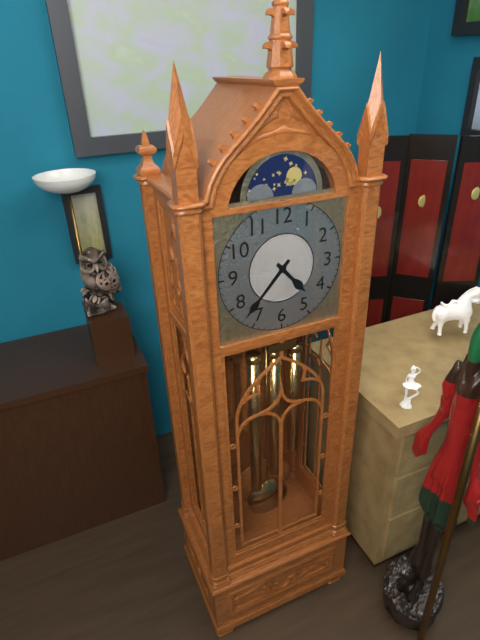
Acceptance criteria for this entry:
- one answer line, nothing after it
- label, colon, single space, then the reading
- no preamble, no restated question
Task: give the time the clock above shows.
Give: 4:37
